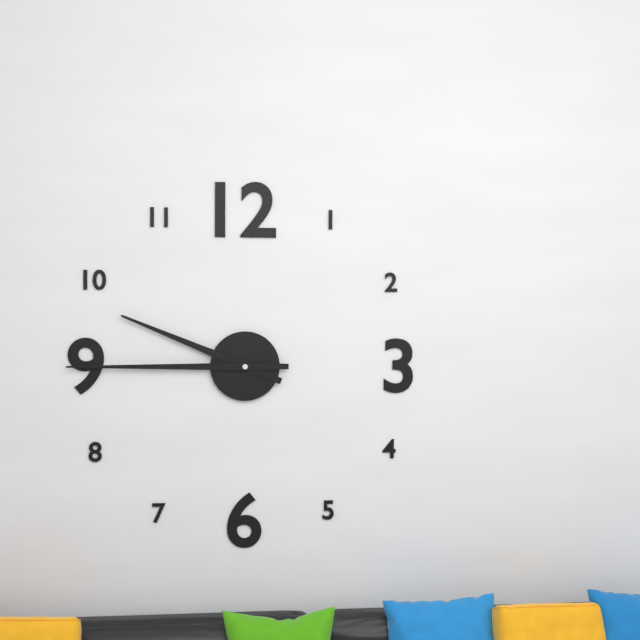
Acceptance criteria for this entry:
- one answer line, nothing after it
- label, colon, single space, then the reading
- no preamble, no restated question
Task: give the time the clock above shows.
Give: 9:45
